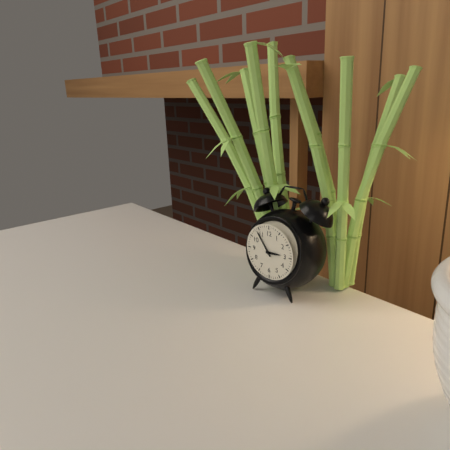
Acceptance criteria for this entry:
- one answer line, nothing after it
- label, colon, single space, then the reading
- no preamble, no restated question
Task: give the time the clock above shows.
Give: 2:54
